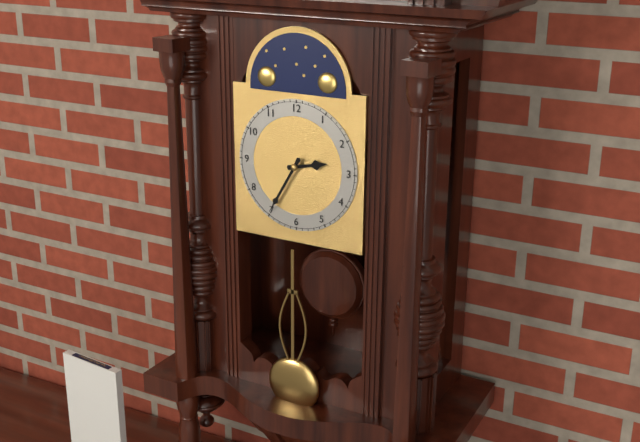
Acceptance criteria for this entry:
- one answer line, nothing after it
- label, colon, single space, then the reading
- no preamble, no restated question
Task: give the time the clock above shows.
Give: 2:35
